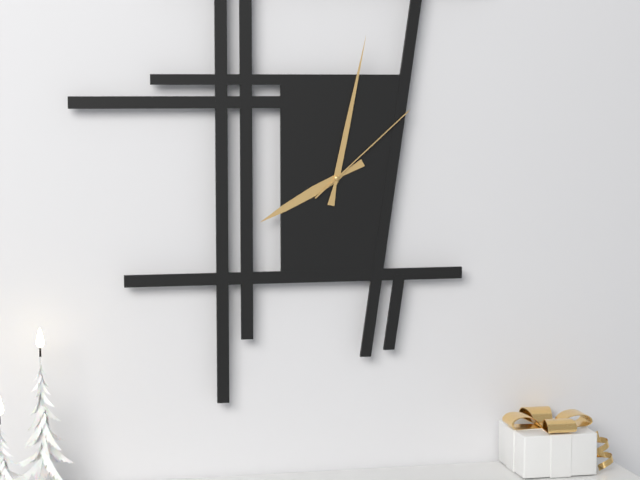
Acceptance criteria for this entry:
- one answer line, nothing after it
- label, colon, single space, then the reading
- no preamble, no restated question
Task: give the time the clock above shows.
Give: 8:02:08
